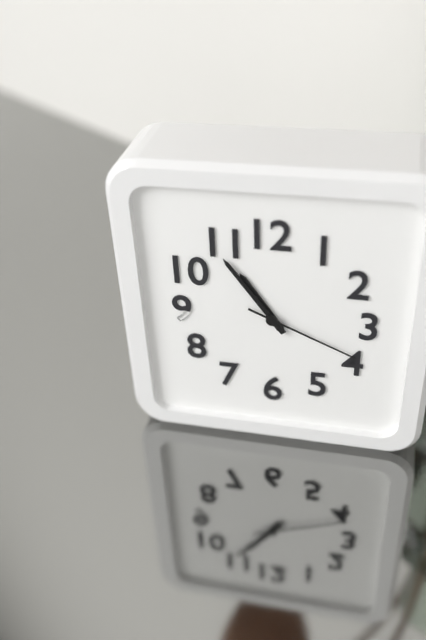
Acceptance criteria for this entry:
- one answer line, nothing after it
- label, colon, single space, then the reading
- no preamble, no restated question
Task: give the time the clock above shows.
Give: 10:54:19
